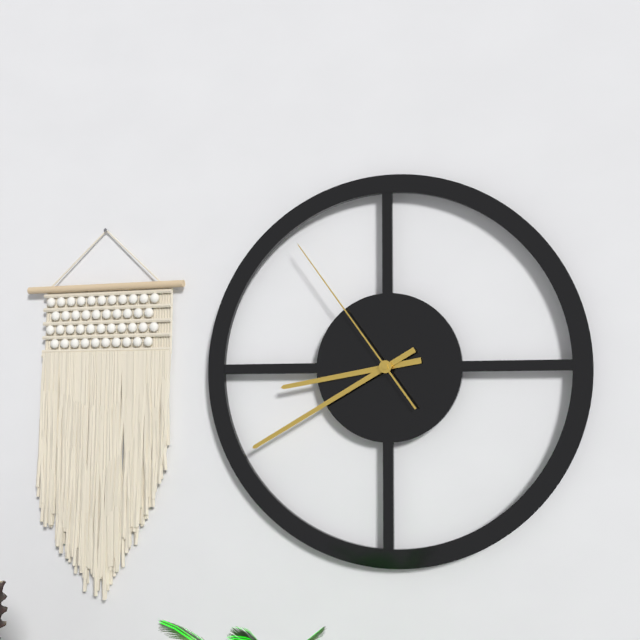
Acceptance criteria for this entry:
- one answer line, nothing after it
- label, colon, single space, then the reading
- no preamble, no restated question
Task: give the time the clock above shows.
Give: 8:40:54
